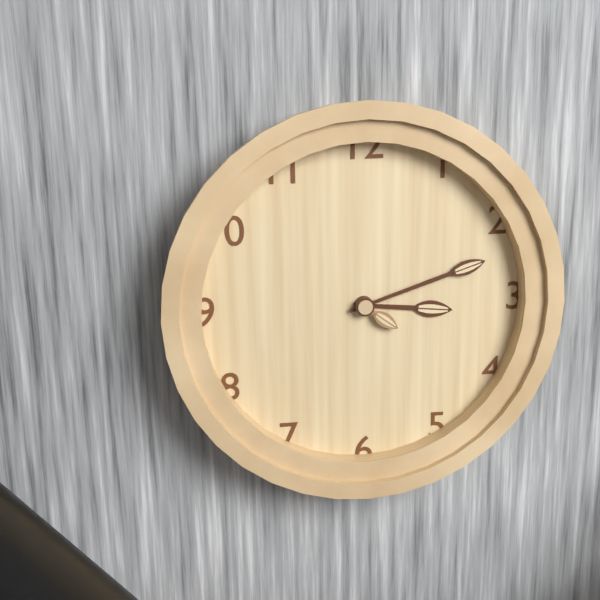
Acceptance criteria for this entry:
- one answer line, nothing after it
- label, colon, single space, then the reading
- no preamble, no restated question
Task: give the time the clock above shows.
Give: 3:12:21
